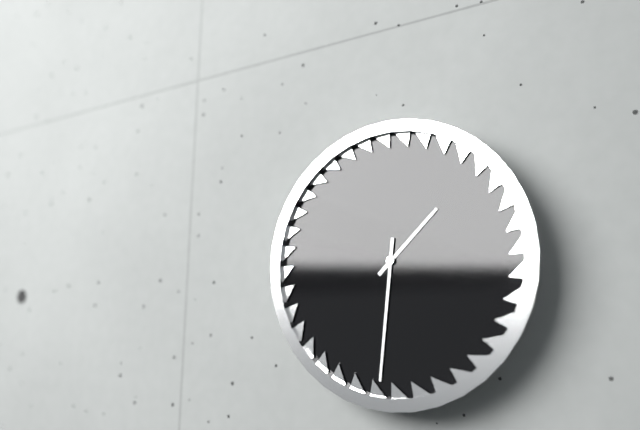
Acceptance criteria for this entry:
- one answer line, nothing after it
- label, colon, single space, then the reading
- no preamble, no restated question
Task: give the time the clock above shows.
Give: 1:31
